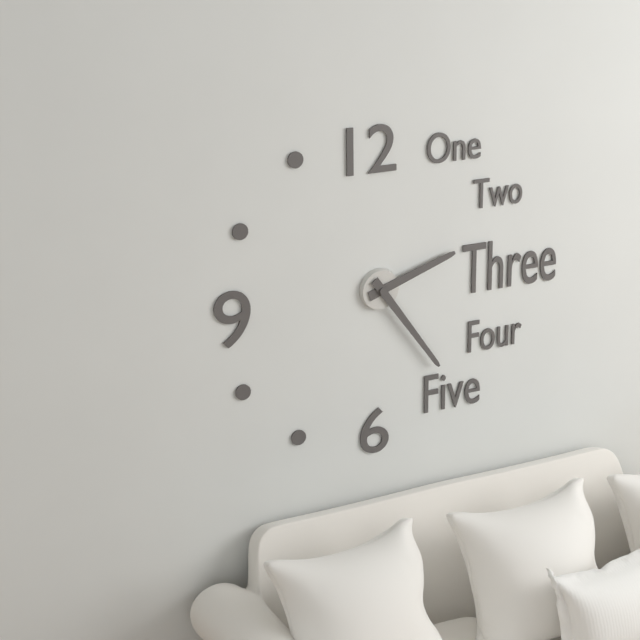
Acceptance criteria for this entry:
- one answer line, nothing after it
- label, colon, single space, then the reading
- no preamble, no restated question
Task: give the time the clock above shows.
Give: 2:24
